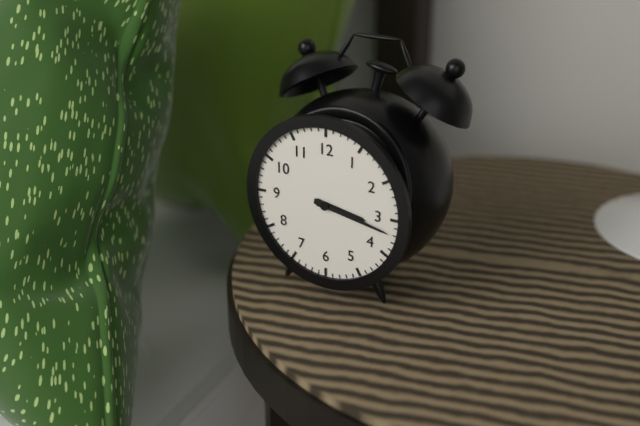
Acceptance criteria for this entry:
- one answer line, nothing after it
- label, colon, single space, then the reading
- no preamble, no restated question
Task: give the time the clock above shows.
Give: 3:17
